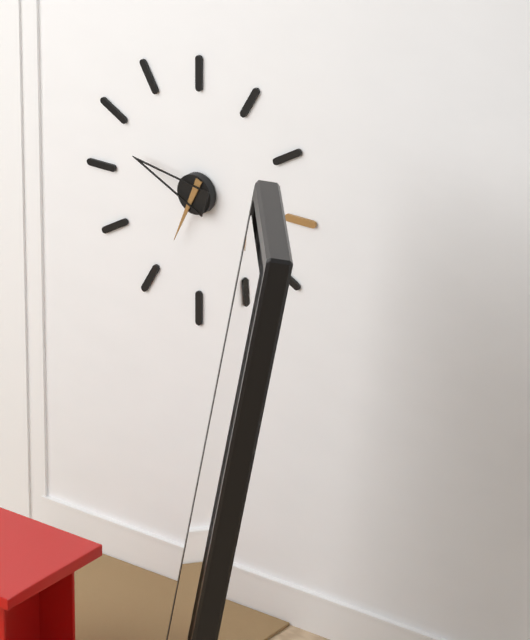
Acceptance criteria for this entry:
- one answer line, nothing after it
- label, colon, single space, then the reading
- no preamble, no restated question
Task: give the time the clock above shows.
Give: 6:48
